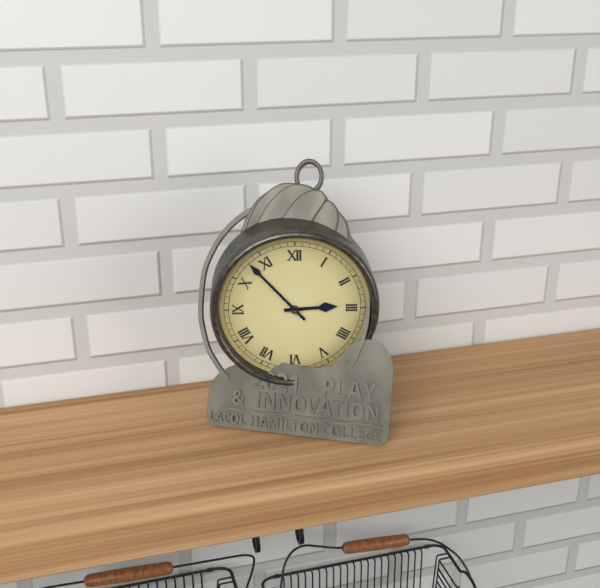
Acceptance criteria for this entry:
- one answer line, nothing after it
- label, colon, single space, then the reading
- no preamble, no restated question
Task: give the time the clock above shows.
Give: 2:53
